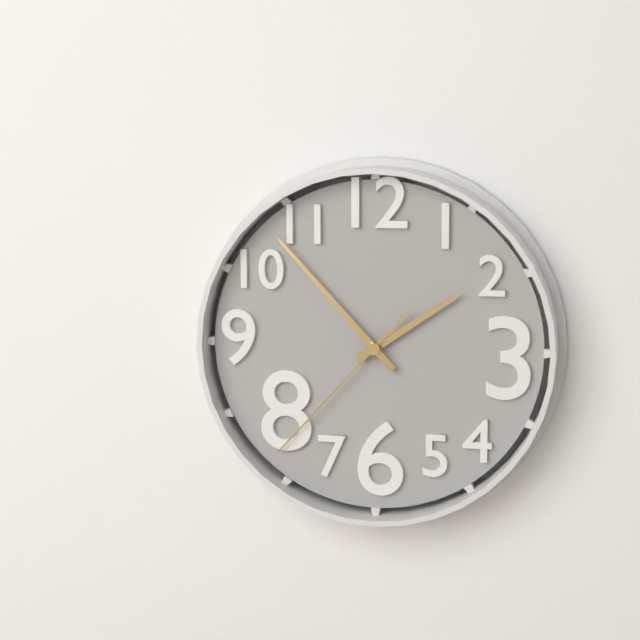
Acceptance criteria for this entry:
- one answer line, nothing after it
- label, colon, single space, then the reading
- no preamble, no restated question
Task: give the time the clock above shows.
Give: 1:53:37
